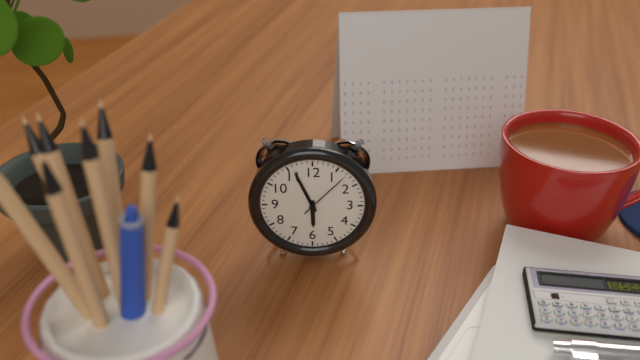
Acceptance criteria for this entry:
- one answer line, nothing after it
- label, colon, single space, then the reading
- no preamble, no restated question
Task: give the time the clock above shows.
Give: 5:56:07
